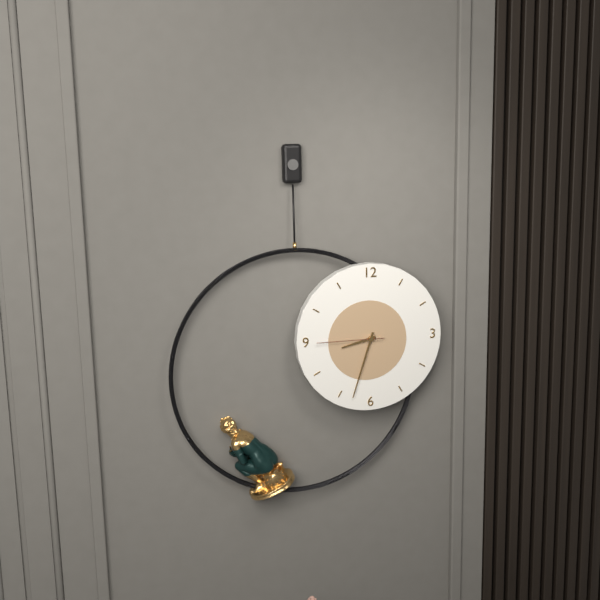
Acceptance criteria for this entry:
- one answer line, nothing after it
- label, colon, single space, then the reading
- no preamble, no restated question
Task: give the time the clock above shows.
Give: 8:33:45
